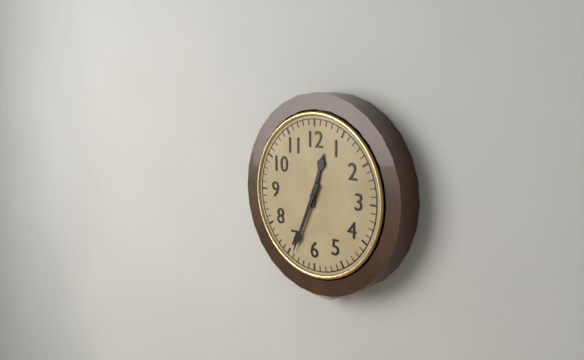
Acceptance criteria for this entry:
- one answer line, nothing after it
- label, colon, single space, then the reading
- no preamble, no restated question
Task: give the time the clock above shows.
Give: 12:34
